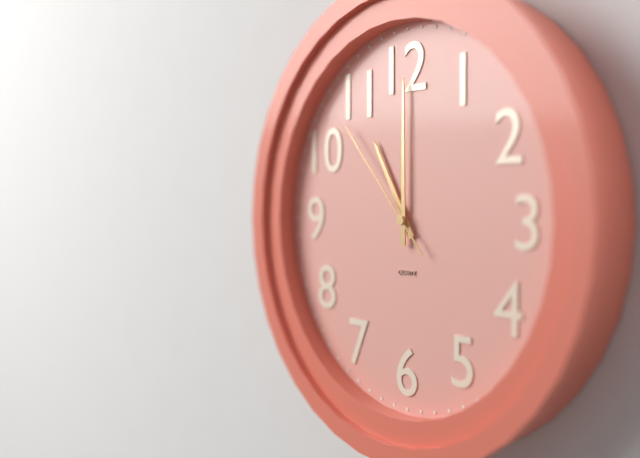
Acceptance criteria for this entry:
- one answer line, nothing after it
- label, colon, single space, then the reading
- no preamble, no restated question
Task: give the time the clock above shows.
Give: 11:00:53
